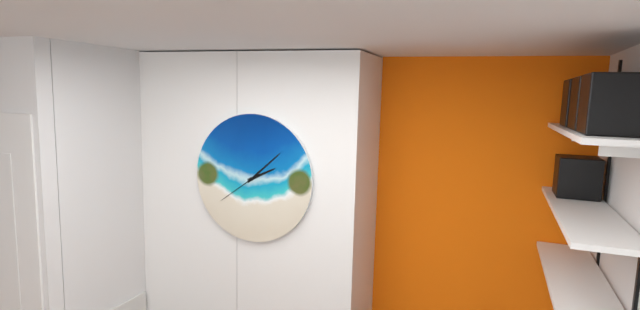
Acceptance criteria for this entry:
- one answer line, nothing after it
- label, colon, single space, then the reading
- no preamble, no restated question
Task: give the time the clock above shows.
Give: 2:08
